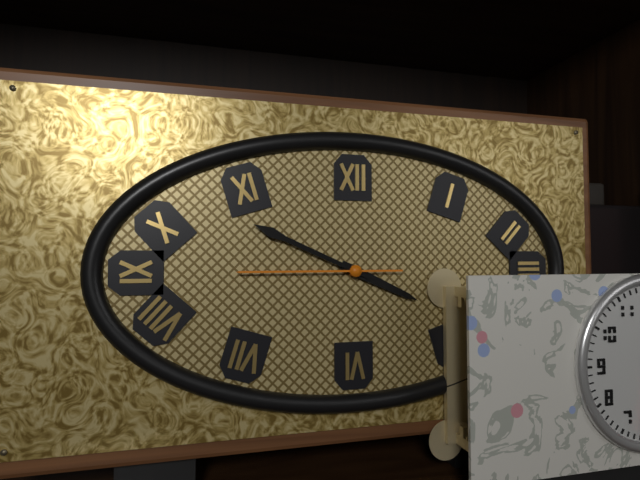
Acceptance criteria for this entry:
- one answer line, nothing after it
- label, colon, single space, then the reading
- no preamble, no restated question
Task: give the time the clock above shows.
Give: 3:49:45
